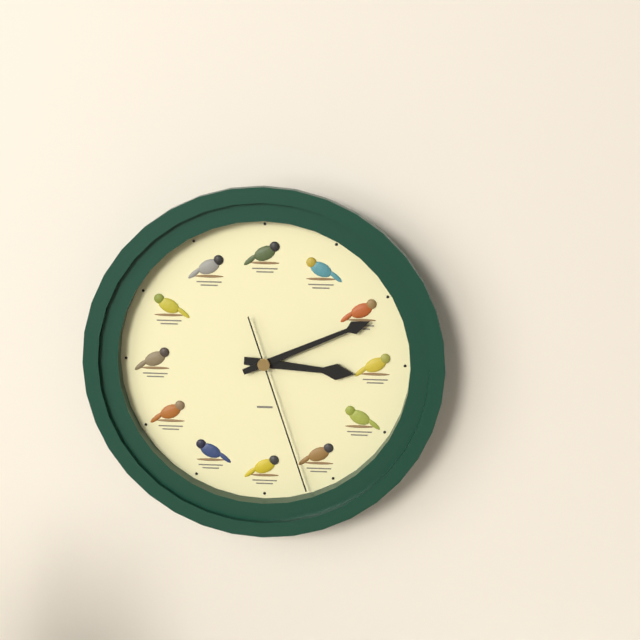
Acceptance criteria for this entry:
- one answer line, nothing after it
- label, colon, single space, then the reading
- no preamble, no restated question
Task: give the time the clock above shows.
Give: 3:11:27
